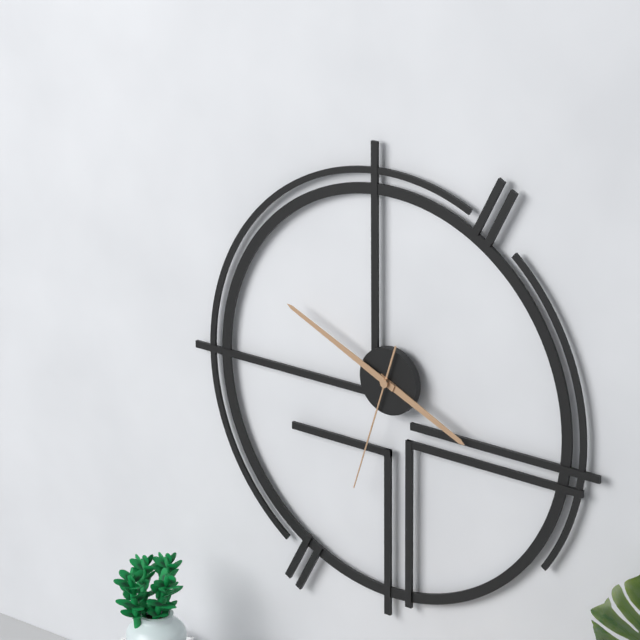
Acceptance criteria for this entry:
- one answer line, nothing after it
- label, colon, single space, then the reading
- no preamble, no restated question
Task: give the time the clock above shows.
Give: 3:49:33
